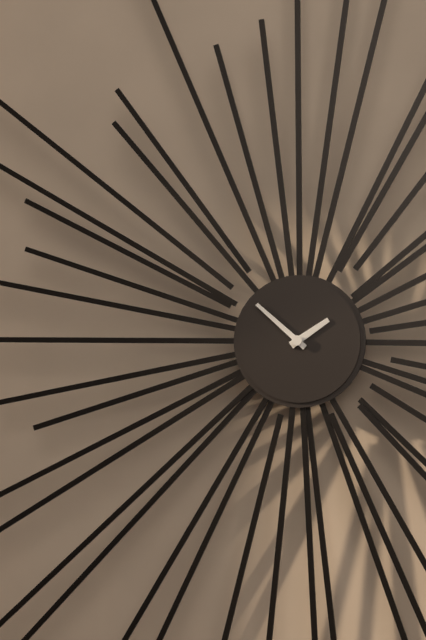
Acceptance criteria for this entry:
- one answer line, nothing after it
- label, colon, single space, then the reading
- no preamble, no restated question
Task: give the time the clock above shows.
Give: 1:52
